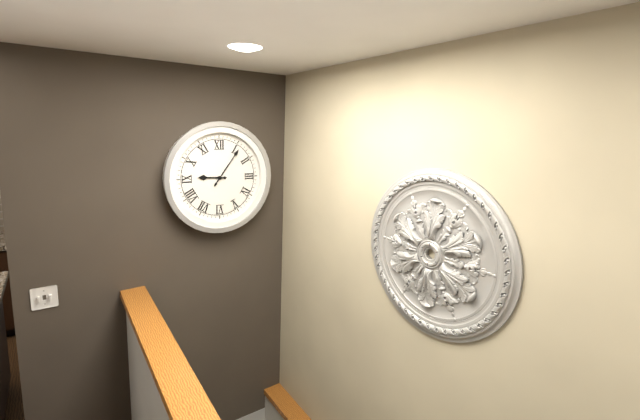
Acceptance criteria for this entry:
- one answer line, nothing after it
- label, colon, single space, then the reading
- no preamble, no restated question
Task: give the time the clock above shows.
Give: 9:06
